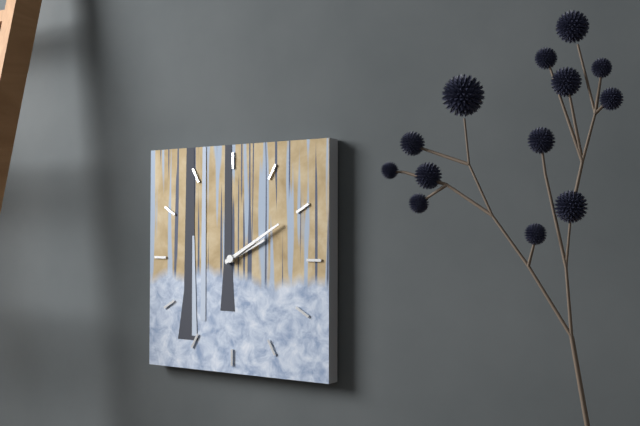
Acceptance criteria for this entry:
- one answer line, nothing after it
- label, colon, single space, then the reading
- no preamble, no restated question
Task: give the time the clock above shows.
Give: 2:10
